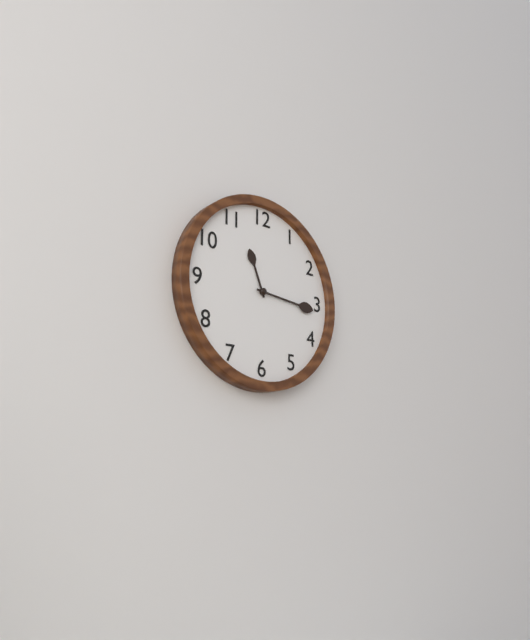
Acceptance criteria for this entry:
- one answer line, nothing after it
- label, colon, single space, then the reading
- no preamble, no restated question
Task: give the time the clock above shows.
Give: 11:16
